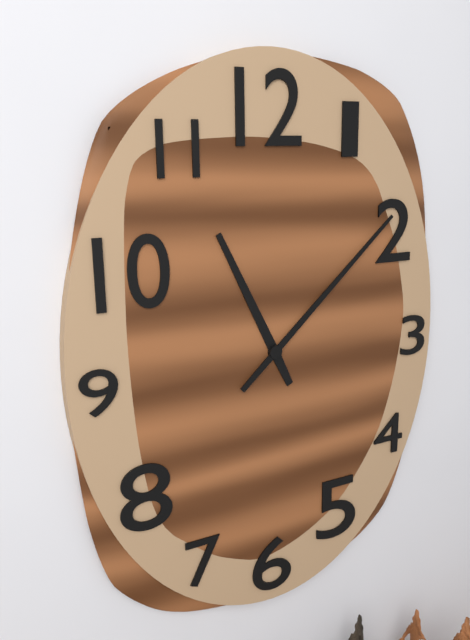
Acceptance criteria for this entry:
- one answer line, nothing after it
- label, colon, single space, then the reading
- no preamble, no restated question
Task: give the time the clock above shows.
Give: 11:08
